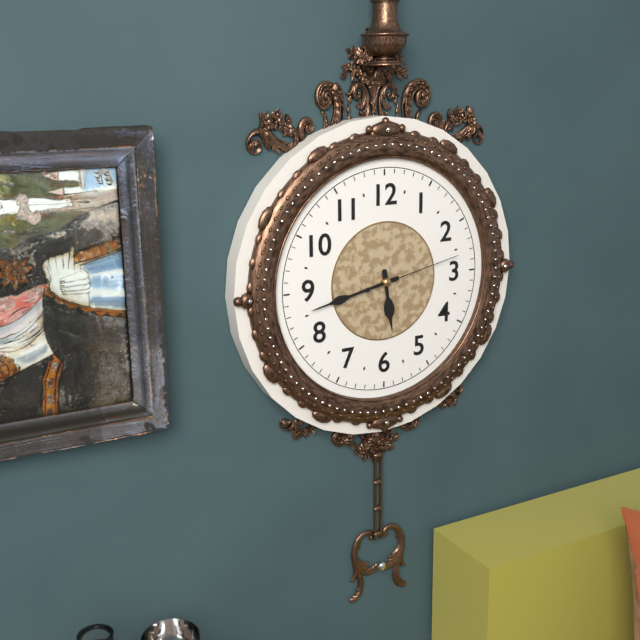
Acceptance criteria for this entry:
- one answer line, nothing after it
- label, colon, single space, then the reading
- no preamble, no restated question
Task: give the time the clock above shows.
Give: 5:43:13
